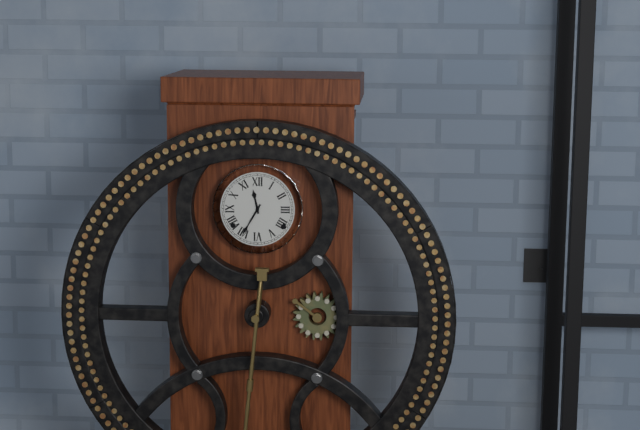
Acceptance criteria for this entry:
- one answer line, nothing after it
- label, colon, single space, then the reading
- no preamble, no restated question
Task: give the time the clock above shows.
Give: 11:35
